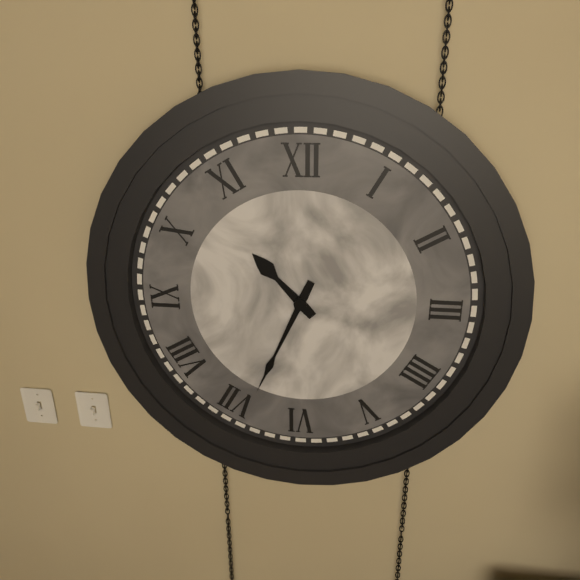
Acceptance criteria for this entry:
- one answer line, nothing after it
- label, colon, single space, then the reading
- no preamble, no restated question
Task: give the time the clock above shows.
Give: 10:34
